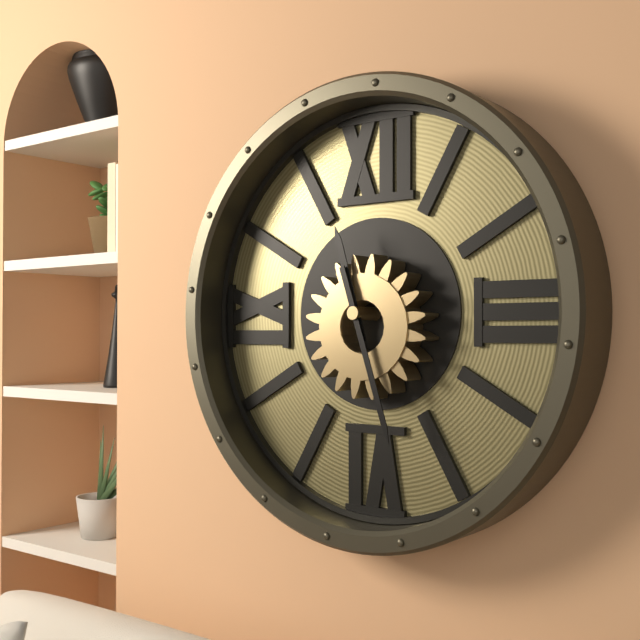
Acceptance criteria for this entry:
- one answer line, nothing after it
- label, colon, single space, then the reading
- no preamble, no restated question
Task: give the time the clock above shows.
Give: 11:27
